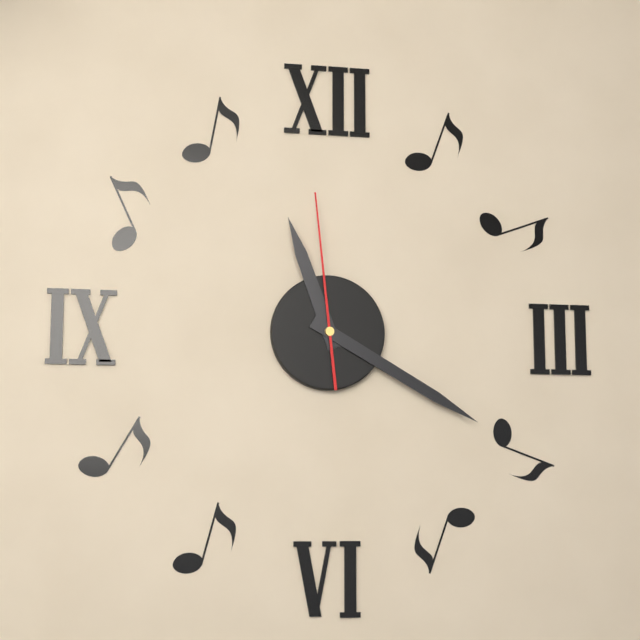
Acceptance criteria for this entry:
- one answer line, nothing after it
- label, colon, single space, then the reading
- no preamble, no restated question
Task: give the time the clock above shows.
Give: 11:20:59
